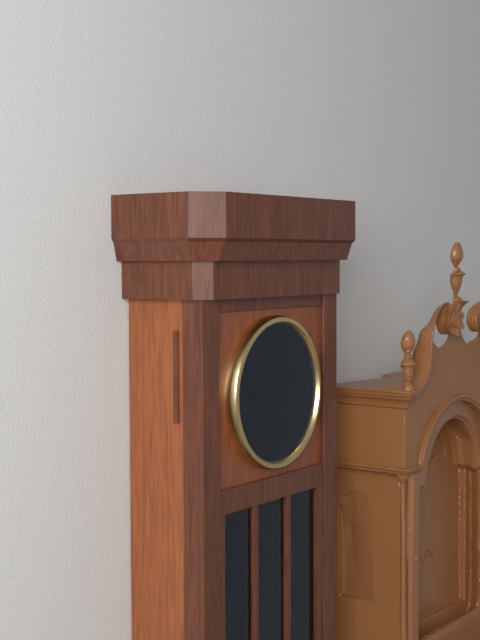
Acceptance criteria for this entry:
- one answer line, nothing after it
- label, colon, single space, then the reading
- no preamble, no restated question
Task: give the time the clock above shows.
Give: 11:22
